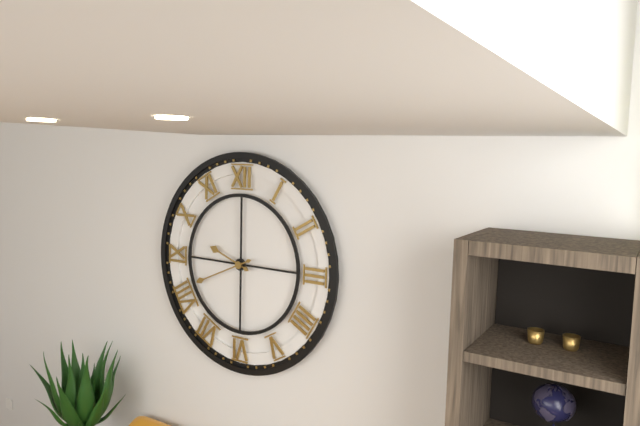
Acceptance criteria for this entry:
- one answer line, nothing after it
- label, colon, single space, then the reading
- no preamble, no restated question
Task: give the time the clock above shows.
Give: 9:41
